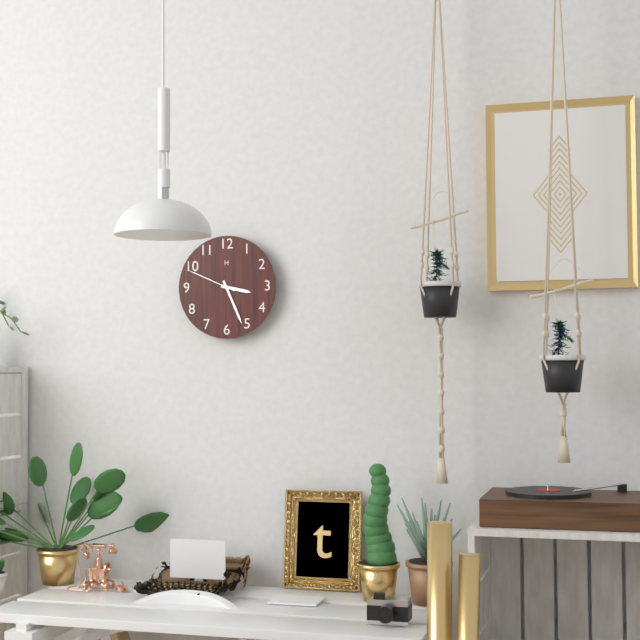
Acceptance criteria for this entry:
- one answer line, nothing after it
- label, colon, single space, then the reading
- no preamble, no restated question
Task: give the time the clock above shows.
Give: 3:26:49
